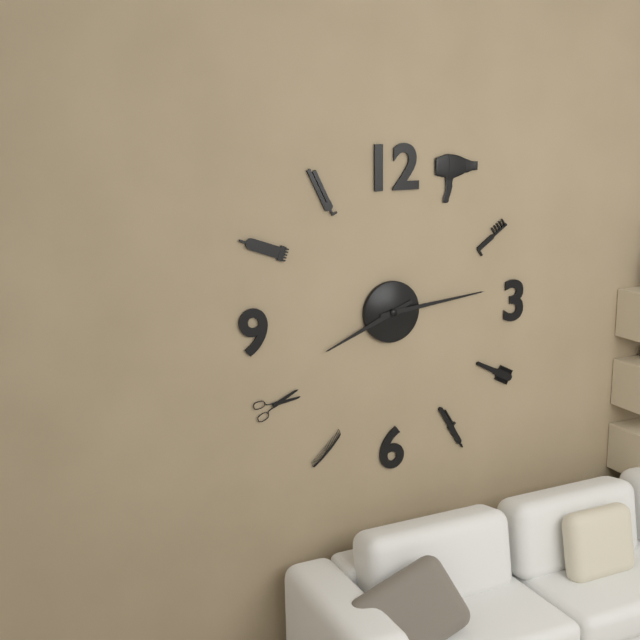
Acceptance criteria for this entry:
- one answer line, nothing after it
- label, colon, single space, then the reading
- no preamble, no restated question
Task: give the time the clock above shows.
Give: 8:14
